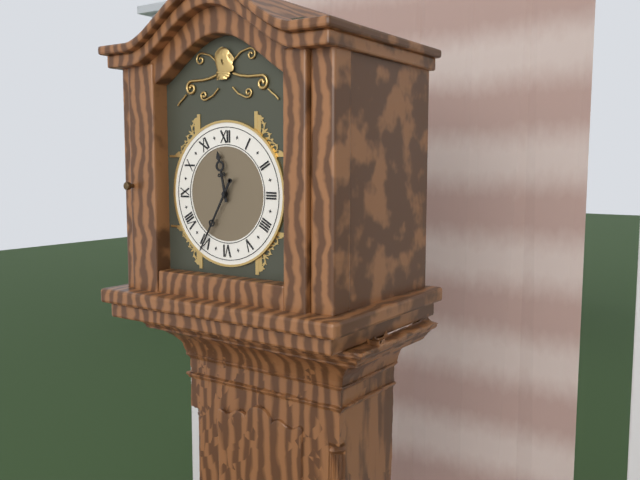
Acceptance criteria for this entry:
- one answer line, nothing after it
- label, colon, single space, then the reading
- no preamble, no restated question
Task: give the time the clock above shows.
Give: 11:35
